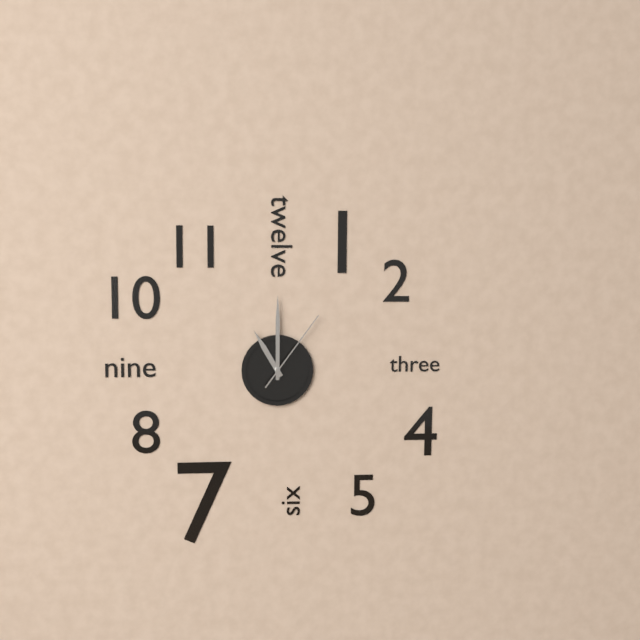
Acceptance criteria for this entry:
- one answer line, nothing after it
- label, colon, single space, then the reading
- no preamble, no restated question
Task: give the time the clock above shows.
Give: 11:00:06
